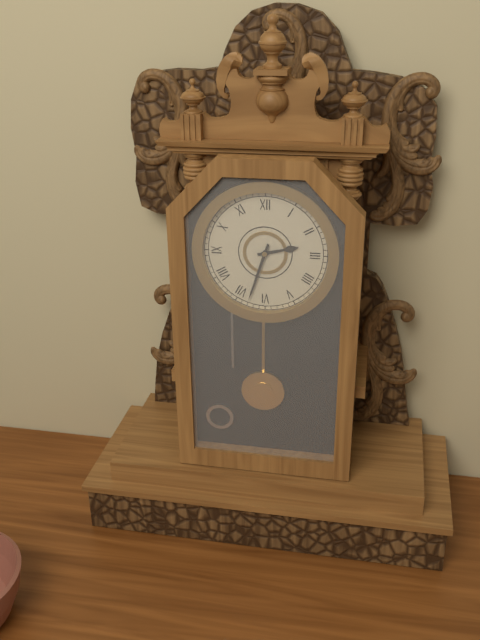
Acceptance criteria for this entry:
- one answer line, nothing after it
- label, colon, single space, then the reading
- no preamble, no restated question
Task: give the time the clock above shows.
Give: 2:33
